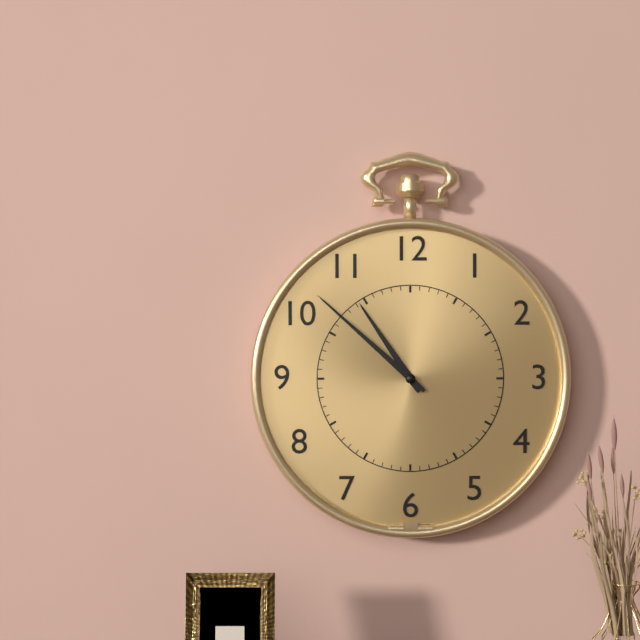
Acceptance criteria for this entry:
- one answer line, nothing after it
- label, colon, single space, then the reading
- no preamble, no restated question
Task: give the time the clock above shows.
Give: 10:52
